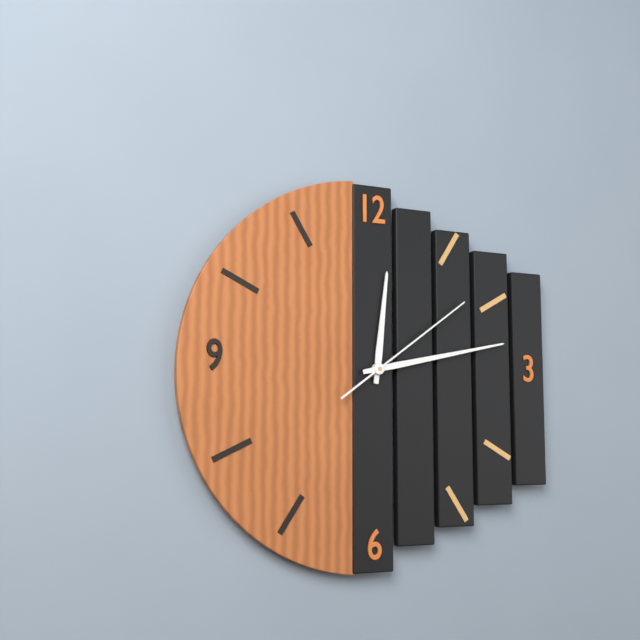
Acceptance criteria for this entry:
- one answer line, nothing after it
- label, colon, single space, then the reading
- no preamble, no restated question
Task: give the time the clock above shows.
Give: 12:13:09
